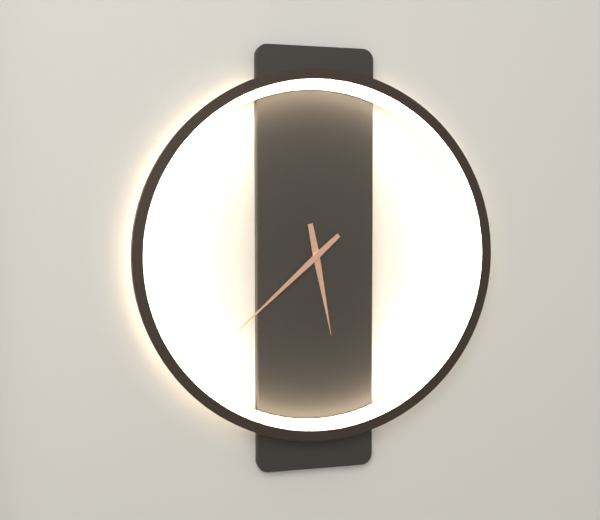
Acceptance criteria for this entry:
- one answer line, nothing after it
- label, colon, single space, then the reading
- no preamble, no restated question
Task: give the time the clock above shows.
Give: 5:38
